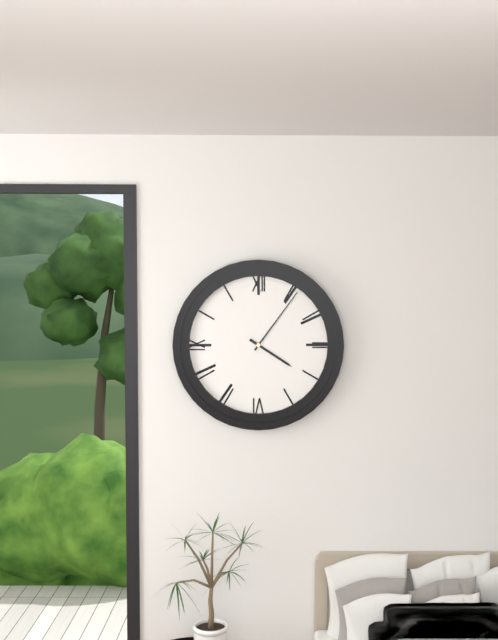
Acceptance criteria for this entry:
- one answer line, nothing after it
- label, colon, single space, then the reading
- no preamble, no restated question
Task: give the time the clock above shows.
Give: 4:06
